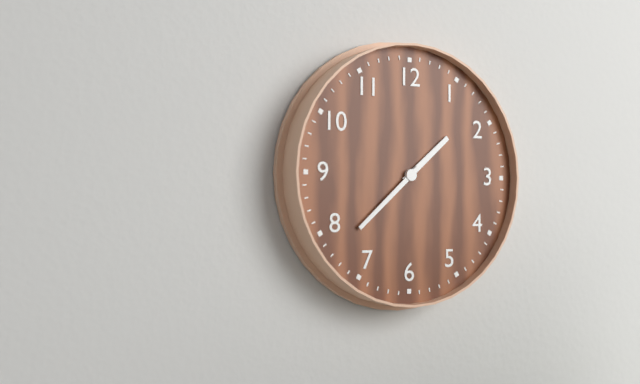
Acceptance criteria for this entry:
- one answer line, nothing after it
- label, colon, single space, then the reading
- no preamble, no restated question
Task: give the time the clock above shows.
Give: 1:38
